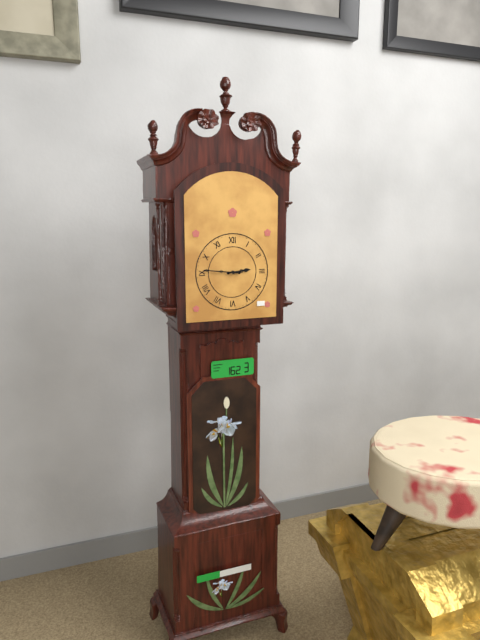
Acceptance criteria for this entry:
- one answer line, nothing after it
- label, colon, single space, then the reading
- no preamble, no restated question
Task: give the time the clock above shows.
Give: 2:46
